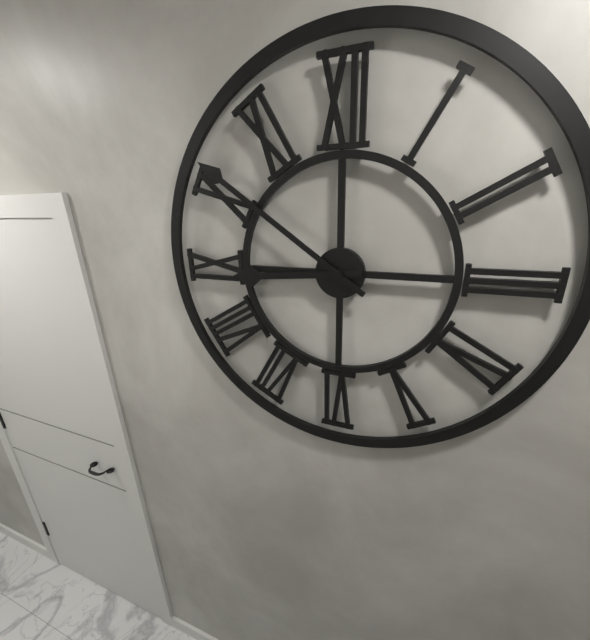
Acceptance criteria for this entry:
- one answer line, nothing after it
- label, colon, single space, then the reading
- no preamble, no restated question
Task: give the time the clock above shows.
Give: 8:51
